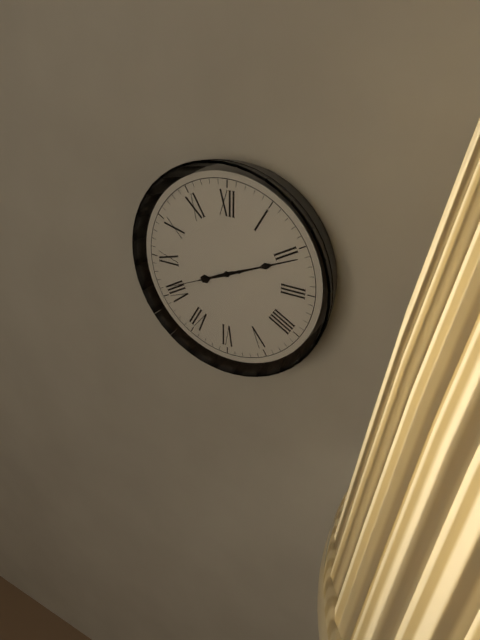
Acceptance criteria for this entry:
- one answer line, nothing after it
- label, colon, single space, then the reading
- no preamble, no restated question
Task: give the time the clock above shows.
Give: 8:11:41
